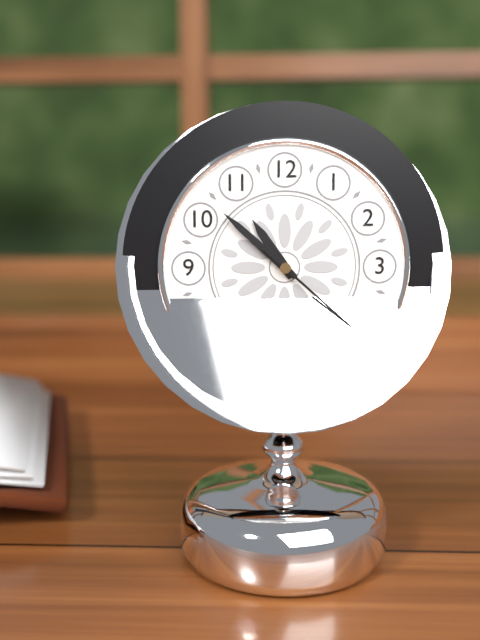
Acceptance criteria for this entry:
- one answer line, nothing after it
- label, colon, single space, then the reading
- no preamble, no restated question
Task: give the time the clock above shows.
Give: 10:52:22
